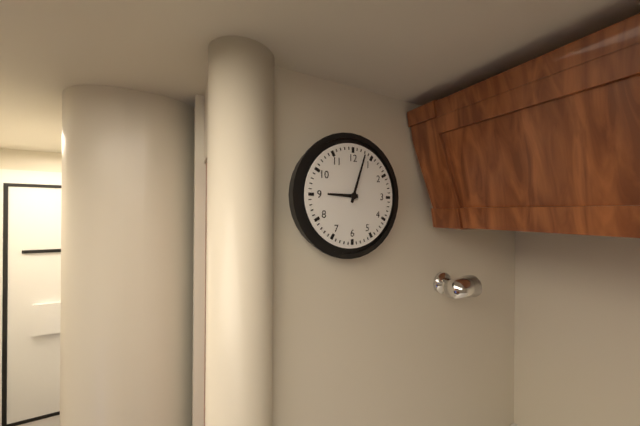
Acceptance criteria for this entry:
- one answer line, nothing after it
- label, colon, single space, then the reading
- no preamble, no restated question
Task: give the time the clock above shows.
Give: 9:03
